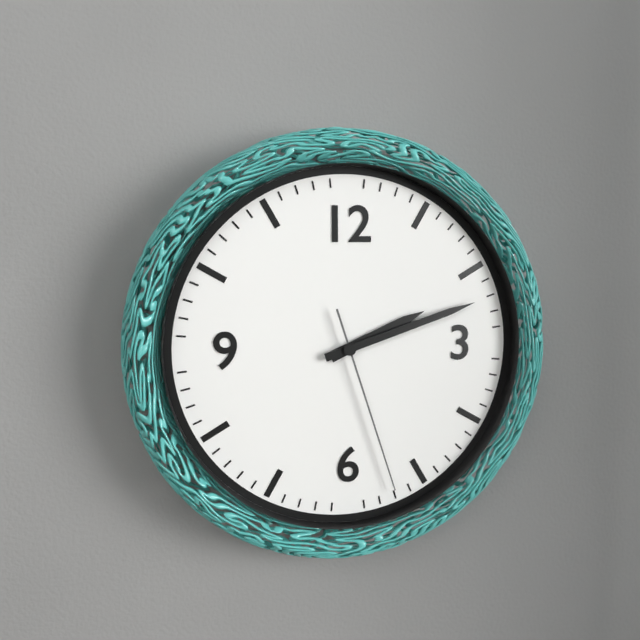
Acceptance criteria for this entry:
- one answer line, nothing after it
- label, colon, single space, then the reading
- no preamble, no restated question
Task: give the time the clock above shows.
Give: 2:12:27
